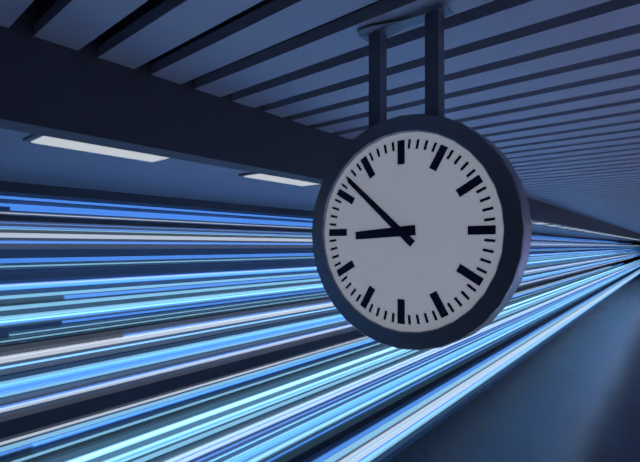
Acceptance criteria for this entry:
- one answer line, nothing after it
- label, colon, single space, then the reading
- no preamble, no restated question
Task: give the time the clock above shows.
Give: 8:52
